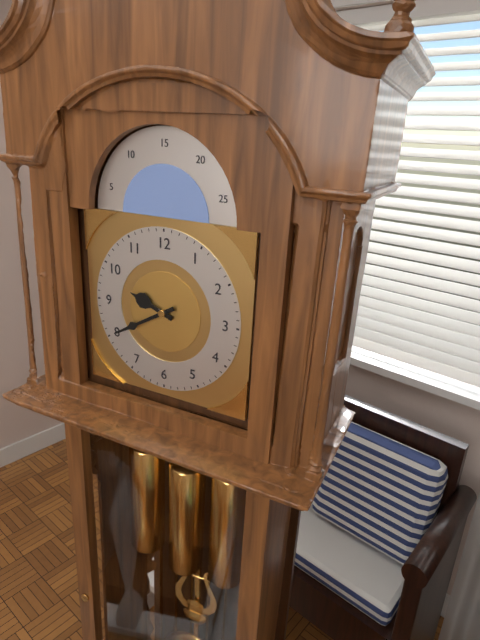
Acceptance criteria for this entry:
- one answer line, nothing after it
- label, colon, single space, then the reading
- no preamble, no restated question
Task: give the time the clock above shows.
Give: 9:40
